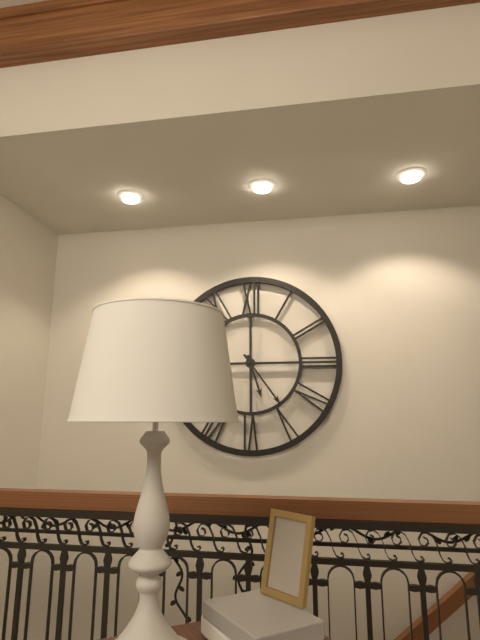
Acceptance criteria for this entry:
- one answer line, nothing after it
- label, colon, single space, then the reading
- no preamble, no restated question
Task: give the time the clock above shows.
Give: 5:24
